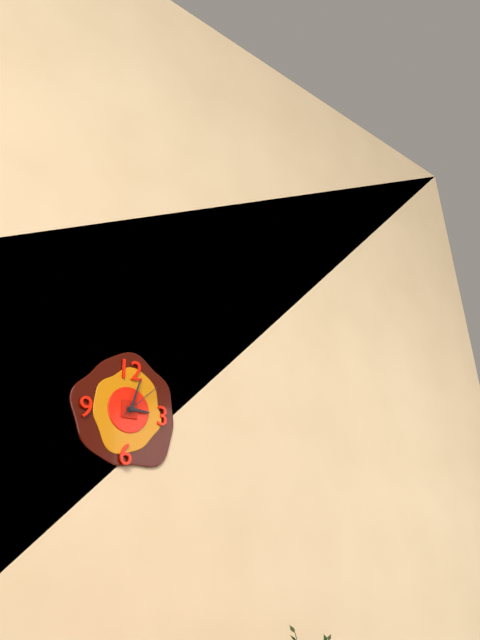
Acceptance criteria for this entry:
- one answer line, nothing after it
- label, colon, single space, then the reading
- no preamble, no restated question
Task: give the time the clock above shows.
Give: 3:03
